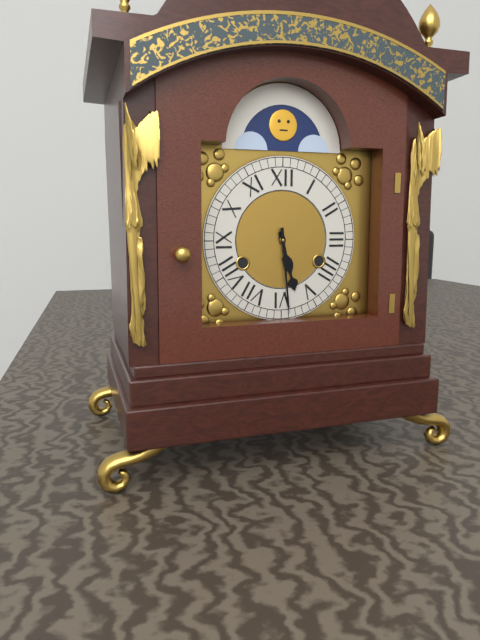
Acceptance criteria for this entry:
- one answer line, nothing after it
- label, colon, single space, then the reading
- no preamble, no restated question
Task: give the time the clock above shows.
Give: 5:29
